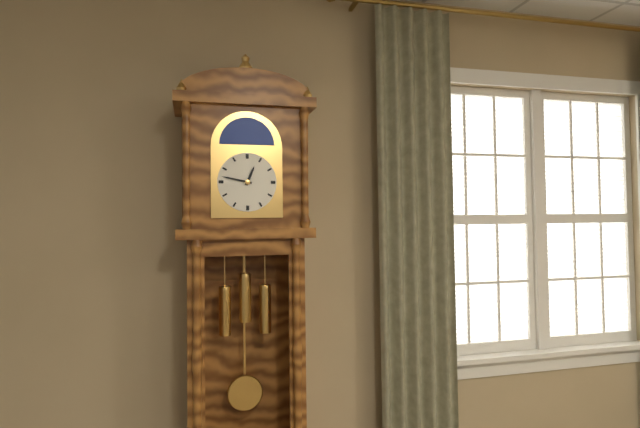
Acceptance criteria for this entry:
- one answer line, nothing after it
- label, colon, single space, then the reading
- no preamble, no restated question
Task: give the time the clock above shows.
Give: 12:47
